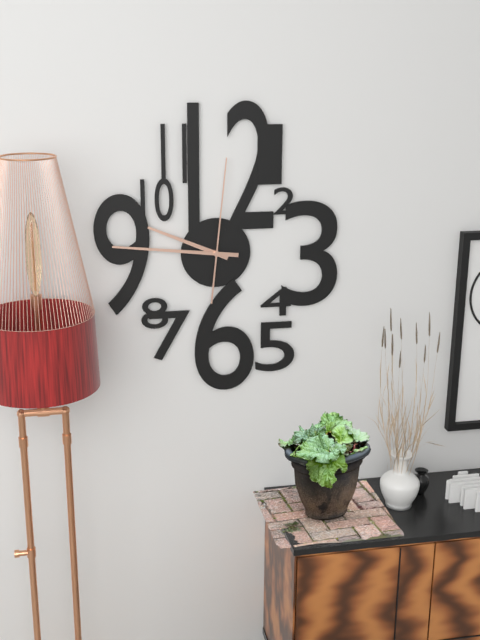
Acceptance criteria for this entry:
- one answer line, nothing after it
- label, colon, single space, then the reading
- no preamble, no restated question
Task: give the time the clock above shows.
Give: 9:46:01
